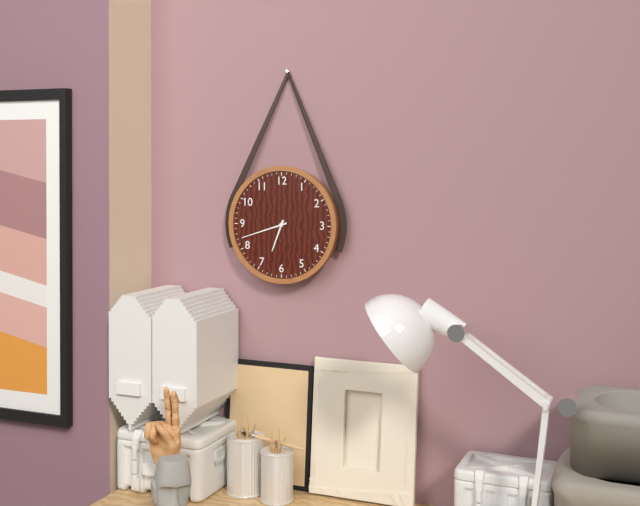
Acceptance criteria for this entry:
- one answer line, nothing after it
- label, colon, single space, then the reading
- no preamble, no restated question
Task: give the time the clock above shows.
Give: 6:42
